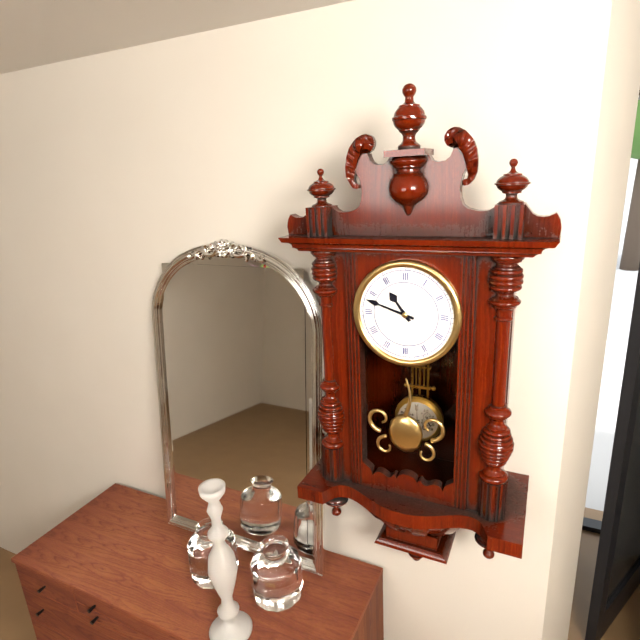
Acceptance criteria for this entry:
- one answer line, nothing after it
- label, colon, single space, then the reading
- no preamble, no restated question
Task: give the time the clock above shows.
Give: 10:48
